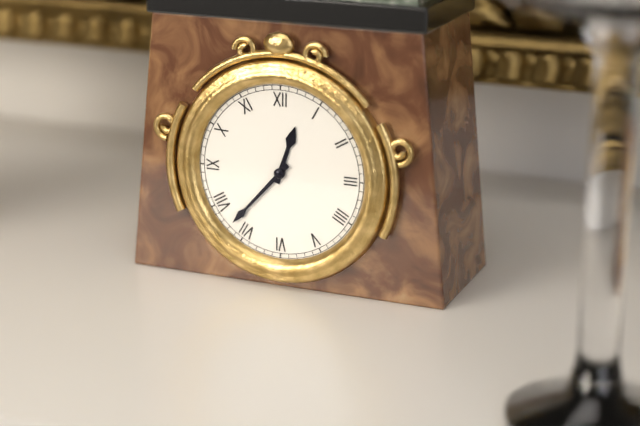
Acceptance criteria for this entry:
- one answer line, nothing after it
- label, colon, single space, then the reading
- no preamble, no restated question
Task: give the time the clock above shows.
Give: 12:37
